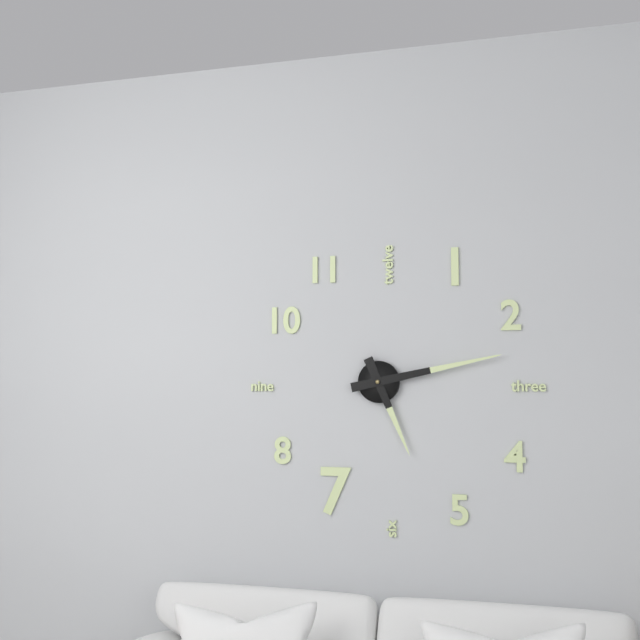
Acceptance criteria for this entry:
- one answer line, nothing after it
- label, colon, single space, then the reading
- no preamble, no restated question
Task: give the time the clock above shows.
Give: 5:13
